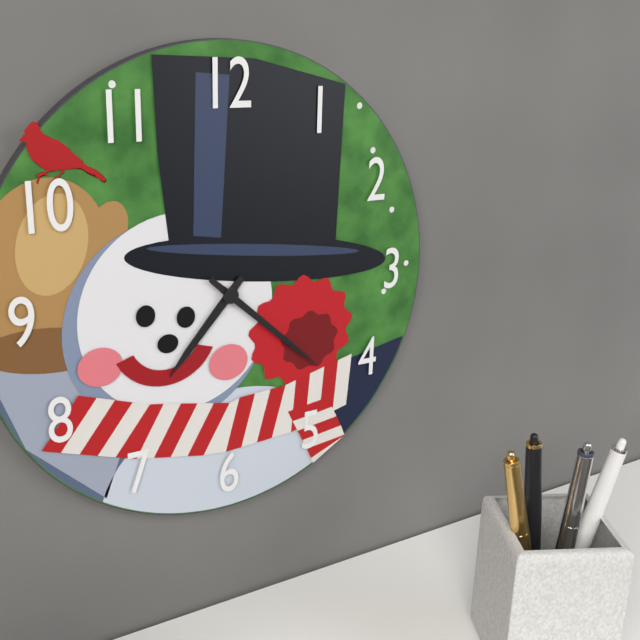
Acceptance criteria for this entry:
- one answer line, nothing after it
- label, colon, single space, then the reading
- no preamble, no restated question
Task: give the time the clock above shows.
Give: 7:22
